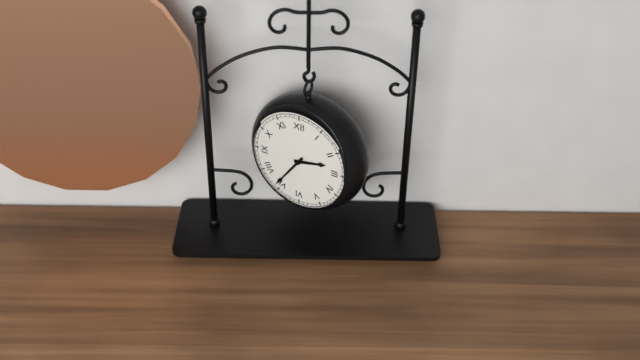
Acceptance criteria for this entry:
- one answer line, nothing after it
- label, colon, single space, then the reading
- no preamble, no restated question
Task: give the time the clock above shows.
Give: 2:36
